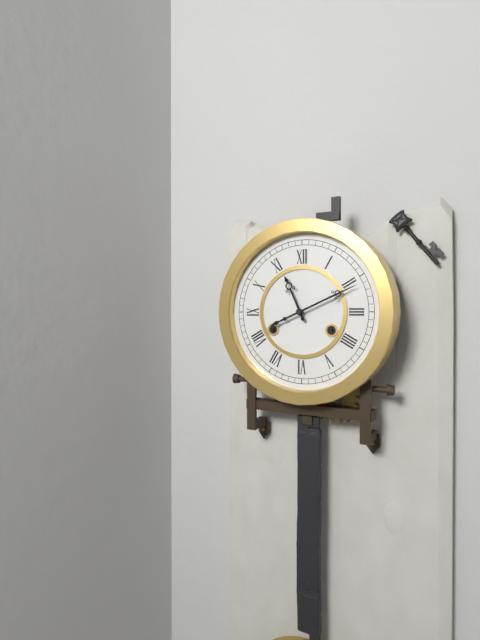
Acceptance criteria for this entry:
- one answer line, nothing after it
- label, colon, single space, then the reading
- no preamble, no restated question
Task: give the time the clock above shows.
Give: 11:11
